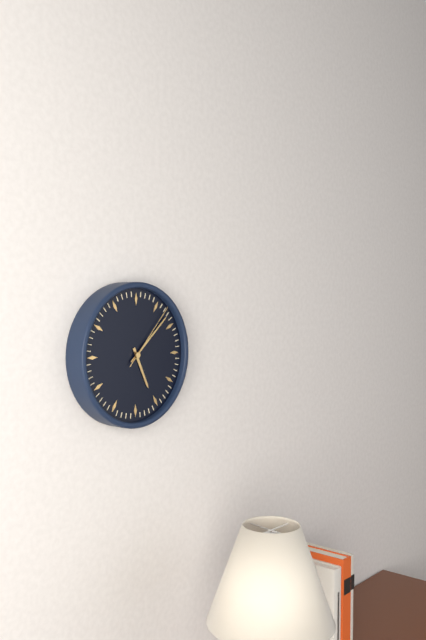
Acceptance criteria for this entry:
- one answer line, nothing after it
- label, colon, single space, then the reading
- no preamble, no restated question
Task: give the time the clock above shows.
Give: 5:08:07
